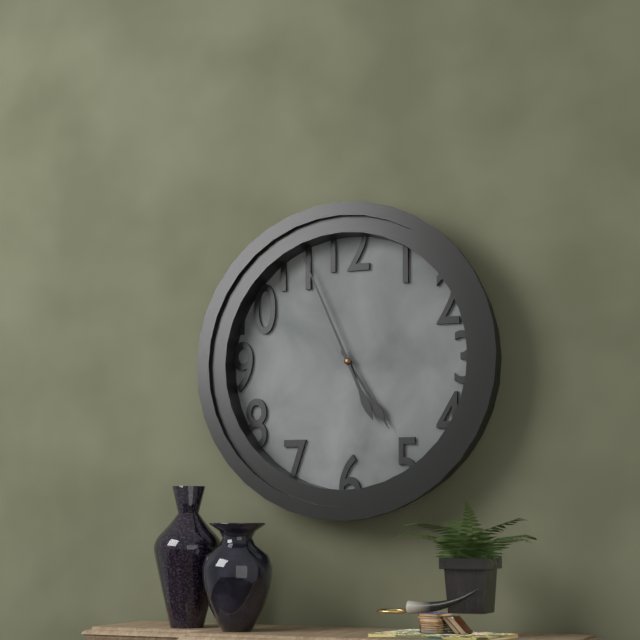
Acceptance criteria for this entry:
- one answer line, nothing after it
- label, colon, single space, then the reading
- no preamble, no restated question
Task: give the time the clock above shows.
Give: 4:56
